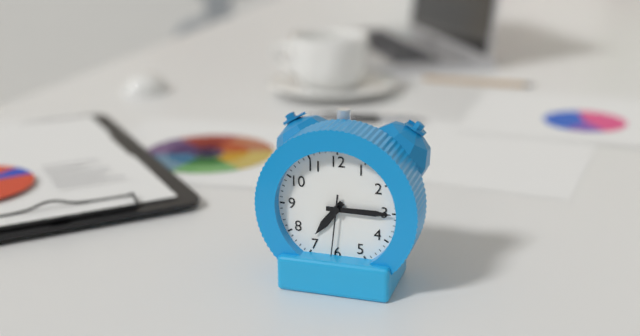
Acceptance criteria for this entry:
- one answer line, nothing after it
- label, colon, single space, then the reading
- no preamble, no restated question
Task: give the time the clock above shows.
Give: 7:15:31
